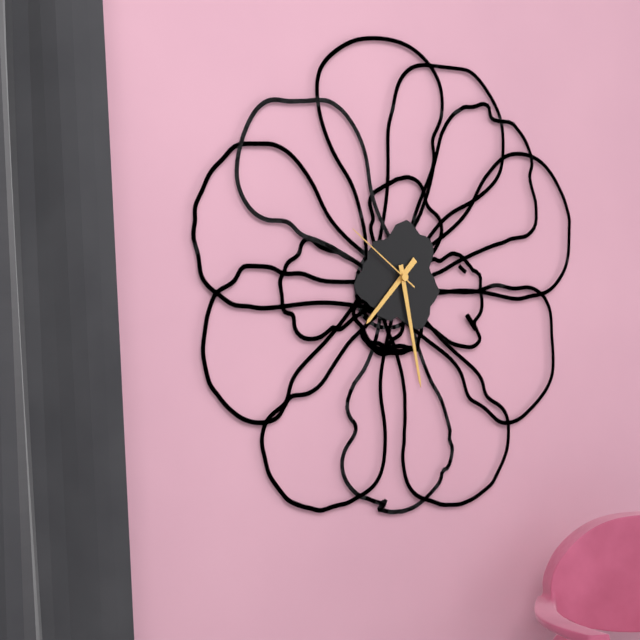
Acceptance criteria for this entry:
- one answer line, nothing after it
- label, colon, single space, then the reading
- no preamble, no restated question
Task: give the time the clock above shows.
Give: 7:28:51
